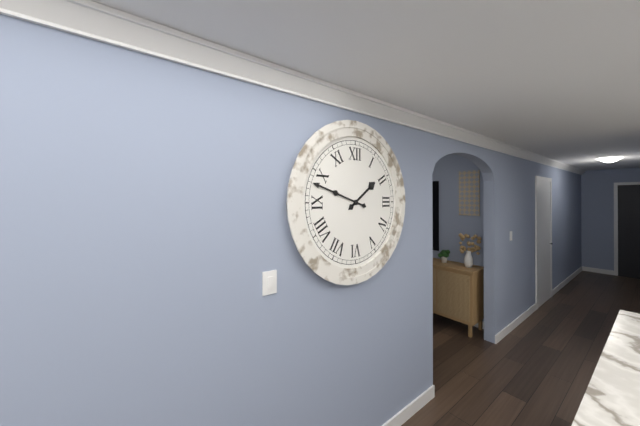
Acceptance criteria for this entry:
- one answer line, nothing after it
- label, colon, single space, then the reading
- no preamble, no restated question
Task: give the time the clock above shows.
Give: 1:48
